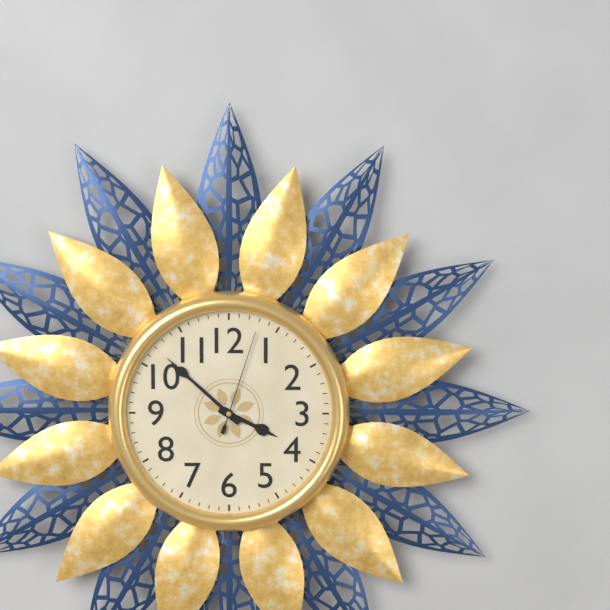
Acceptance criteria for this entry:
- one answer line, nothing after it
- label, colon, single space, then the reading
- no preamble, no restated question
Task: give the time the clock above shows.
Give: 3:52:03
